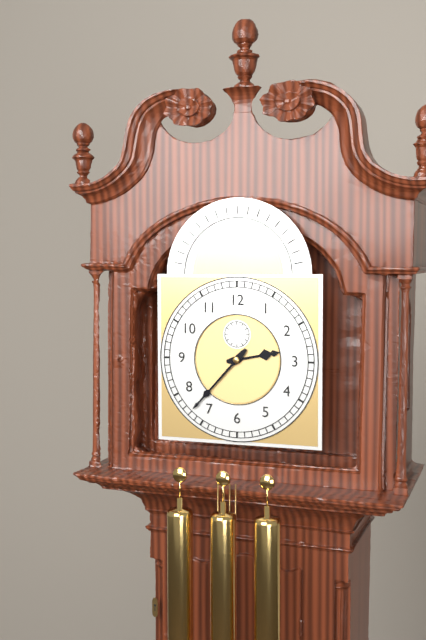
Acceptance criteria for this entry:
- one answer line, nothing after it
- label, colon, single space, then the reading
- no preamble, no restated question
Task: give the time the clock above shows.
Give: 2:37
